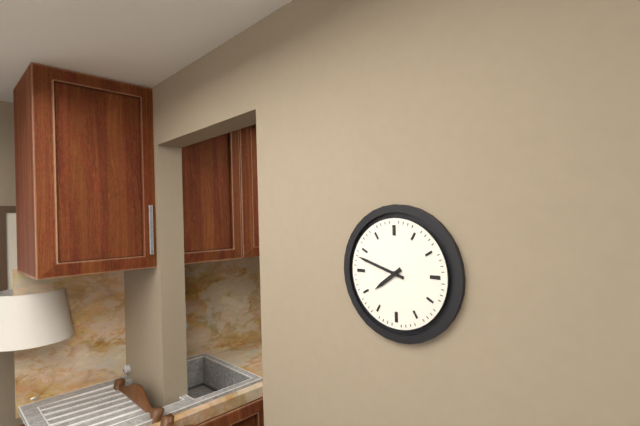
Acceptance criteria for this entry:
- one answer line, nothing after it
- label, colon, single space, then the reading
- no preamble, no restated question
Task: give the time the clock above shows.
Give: 7:48
